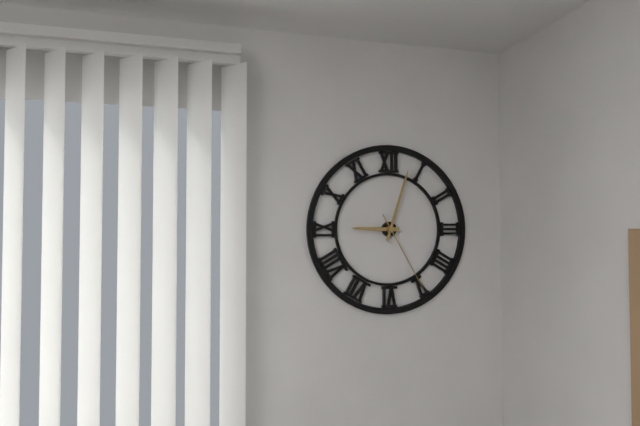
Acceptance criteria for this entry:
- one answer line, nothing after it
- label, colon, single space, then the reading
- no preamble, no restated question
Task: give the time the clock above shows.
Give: 9:03:25
